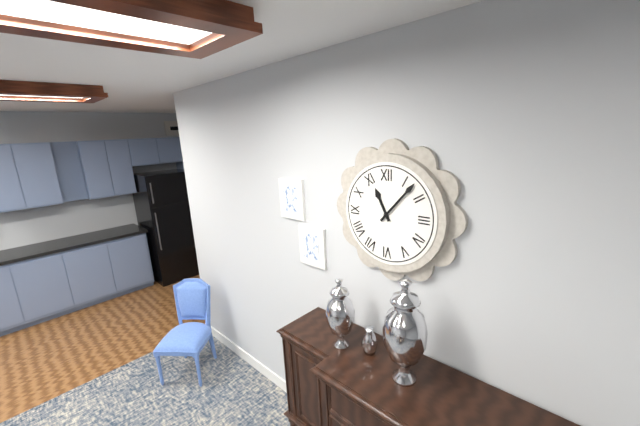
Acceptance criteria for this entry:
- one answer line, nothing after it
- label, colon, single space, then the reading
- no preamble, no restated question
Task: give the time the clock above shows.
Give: 11:07
